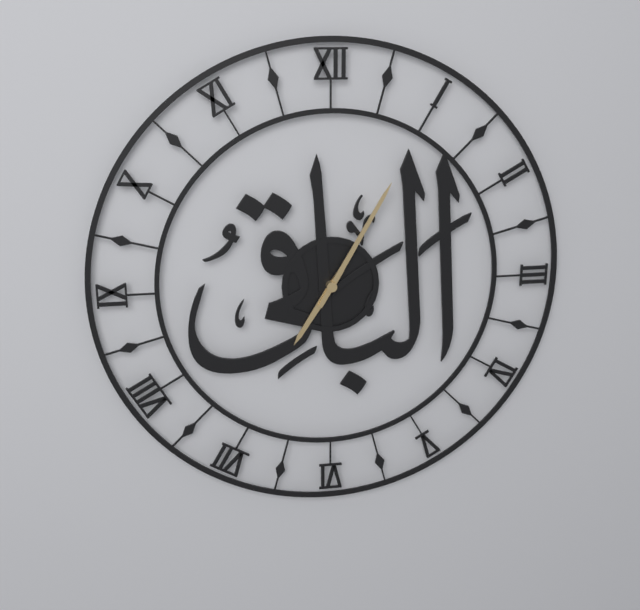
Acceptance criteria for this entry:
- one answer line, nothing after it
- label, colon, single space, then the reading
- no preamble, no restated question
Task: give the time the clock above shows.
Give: 7:05
